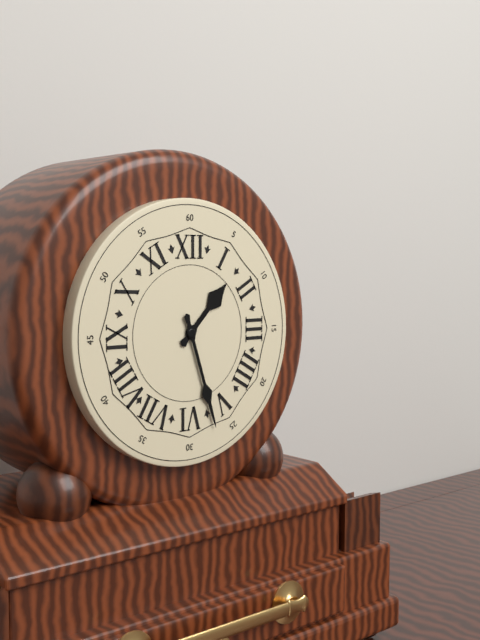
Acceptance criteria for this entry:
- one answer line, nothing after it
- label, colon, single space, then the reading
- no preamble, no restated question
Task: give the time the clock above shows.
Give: 1:27
